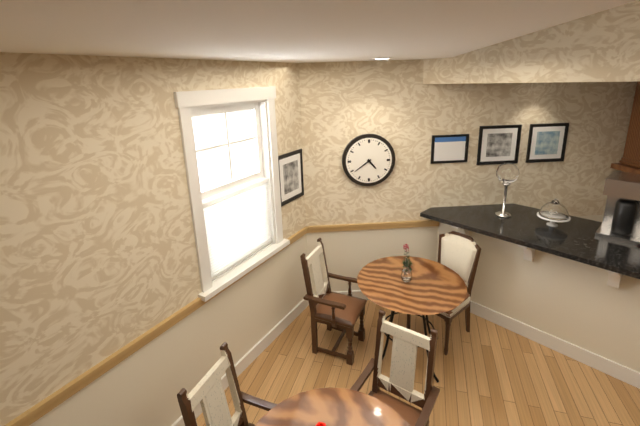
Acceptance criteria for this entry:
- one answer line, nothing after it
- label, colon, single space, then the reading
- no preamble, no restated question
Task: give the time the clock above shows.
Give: 4:39
